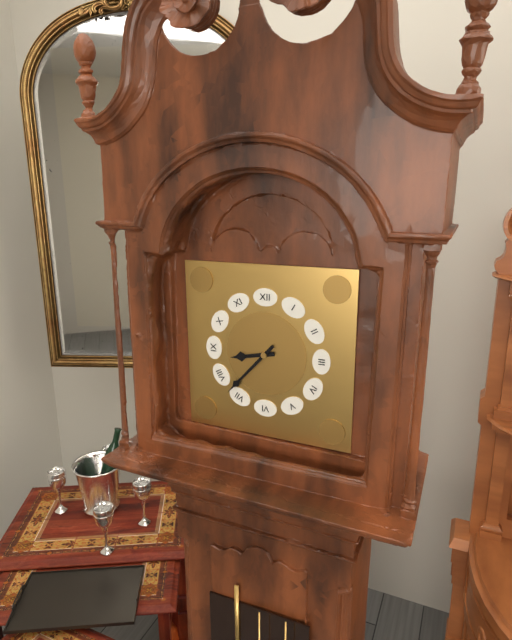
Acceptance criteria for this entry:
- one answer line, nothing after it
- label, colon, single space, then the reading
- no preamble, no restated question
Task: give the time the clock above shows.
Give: 8:37
